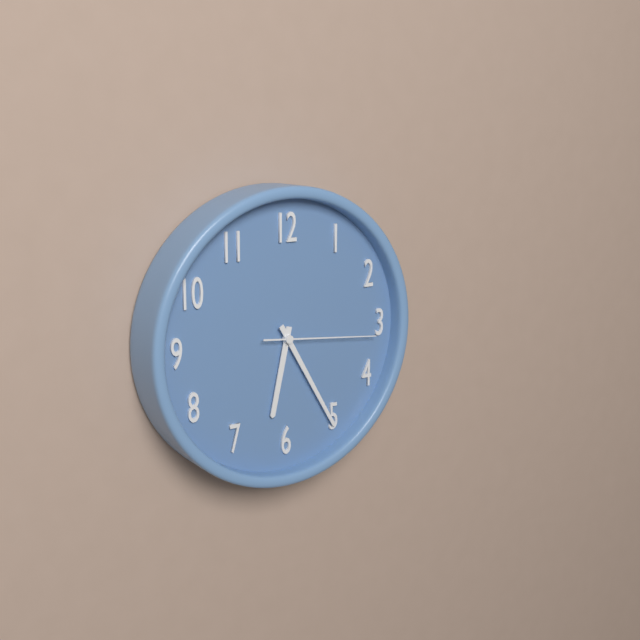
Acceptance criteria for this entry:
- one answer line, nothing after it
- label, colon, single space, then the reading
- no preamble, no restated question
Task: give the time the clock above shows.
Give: 6:25:16
